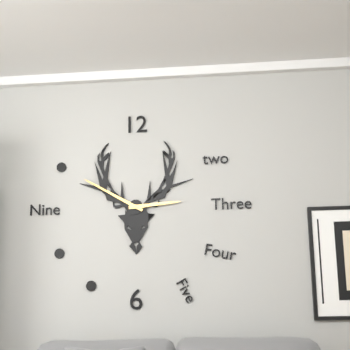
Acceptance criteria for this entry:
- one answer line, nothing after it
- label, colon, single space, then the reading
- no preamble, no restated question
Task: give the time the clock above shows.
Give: 2:50
